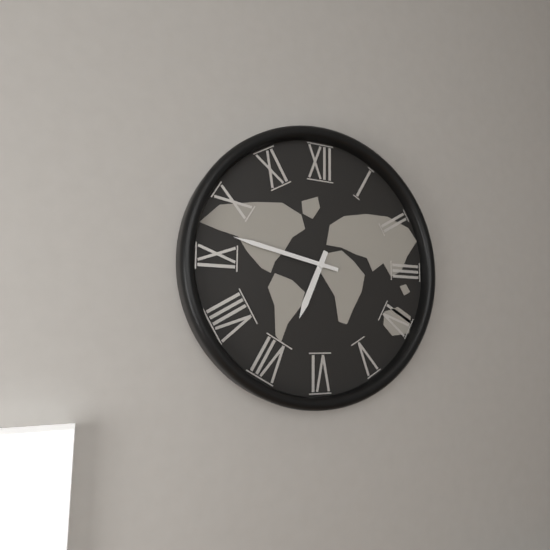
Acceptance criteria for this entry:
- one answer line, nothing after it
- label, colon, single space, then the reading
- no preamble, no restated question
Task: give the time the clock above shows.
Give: 6:47
